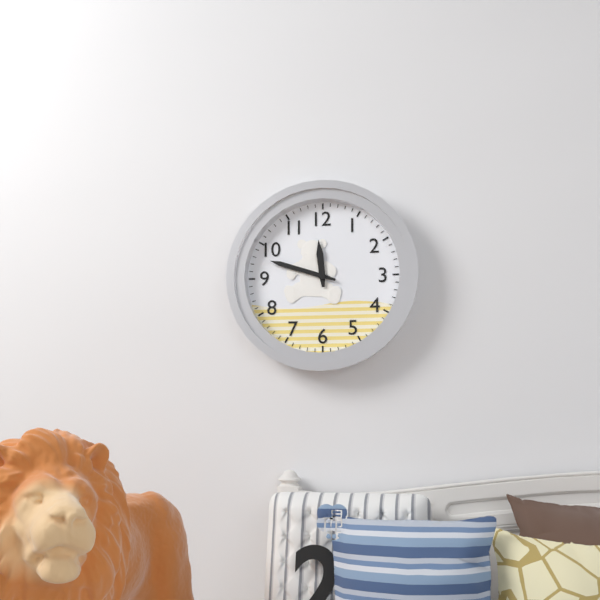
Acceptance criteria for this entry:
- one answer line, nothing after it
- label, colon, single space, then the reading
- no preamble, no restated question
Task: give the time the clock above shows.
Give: 11:48
